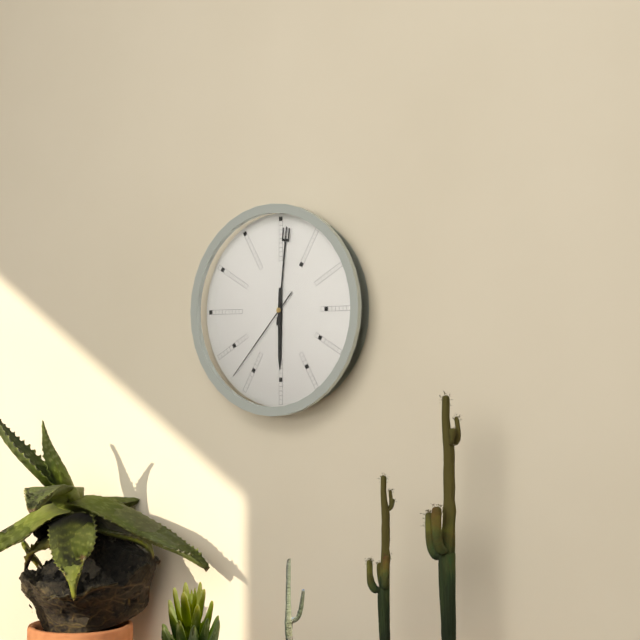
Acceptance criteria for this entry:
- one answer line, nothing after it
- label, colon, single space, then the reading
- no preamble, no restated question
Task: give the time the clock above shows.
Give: 6:01:37
